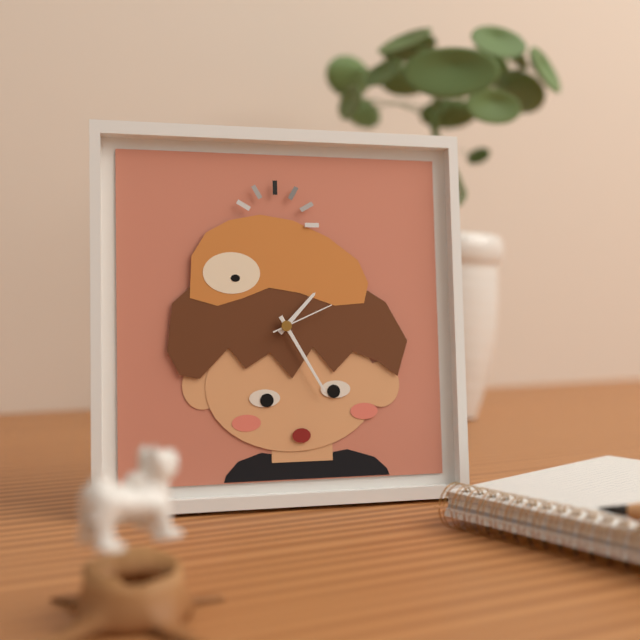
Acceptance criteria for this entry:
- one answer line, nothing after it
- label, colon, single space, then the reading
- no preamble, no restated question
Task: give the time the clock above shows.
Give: 1:25:11
